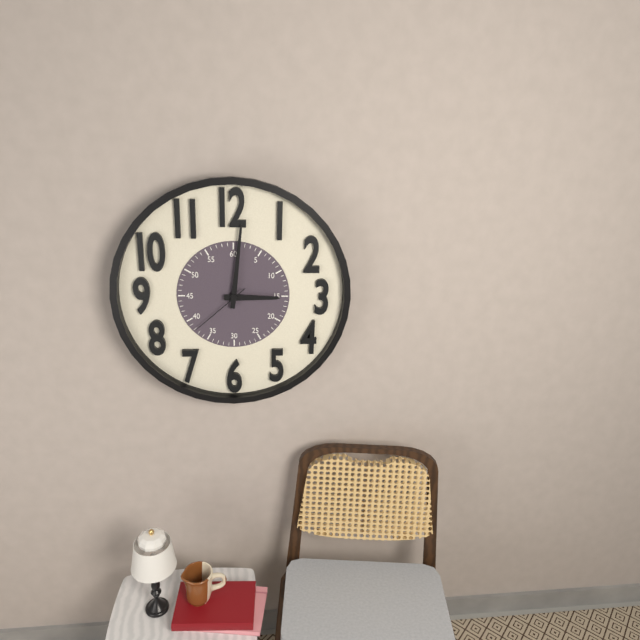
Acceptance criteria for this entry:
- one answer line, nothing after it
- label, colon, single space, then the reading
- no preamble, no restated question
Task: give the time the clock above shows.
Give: 3:01:38
